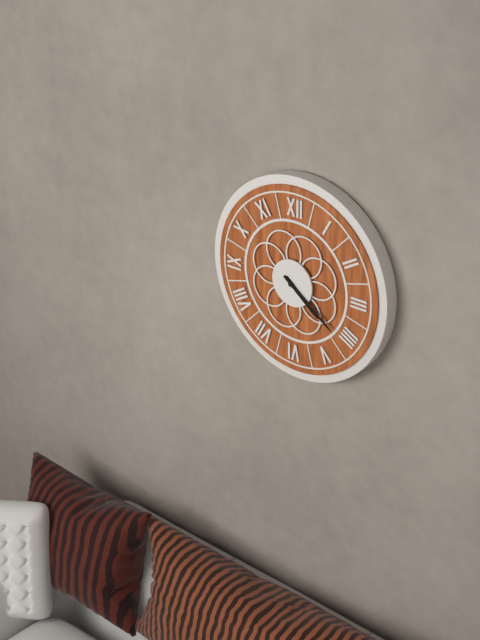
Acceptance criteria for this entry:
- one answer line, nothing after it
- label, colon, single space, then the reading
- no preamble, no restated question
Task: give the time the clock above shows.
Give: 4:21
